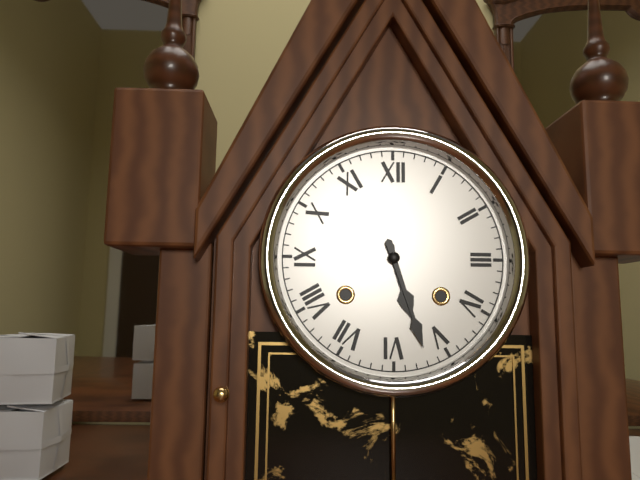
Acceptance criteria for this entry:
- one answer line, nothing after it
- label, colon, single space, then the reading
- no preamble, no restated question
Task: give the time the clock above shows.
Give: 5:27
